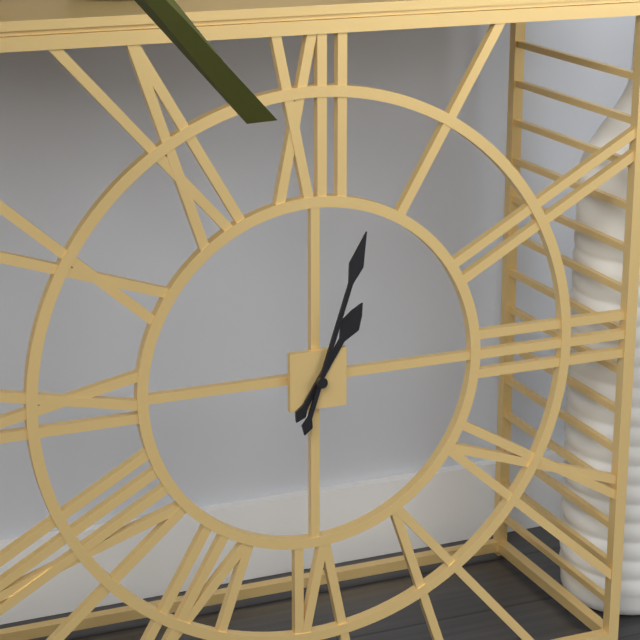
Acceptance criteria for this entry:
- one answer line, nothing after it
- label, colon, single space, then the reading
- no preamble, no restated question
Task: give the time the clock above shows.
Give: 1:03
